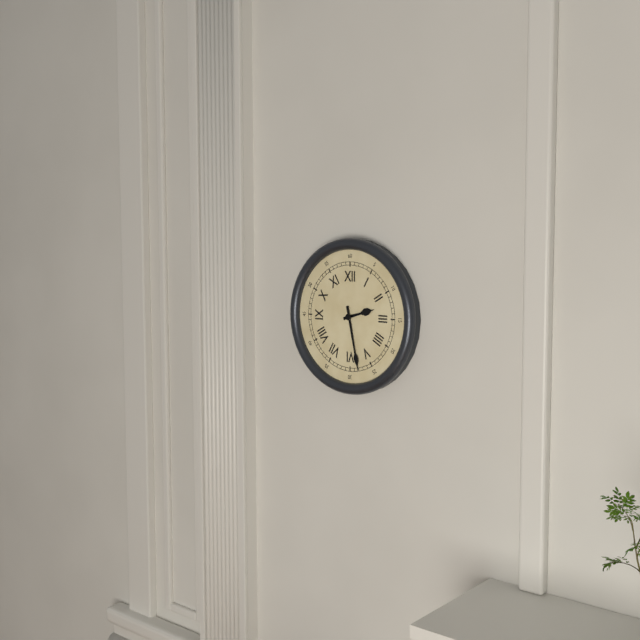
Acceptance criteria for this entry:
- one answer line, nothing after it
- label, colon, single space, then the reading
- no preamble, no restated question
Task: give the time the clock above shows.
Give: 2:28
